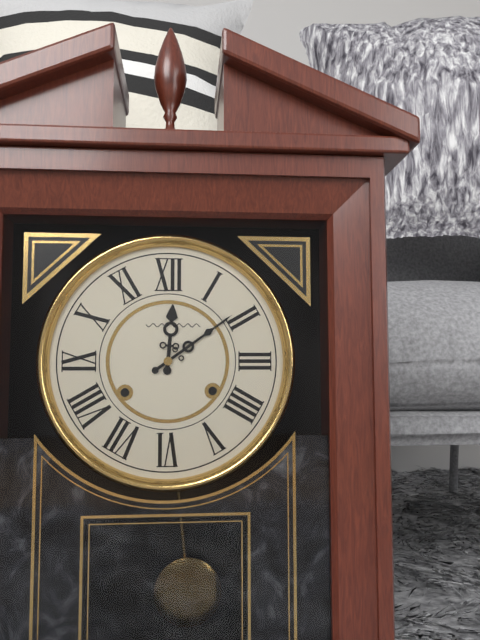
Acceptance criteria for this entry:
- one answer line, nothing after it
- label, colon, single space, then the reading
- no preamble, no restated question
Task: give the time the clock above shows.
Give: 12:09
